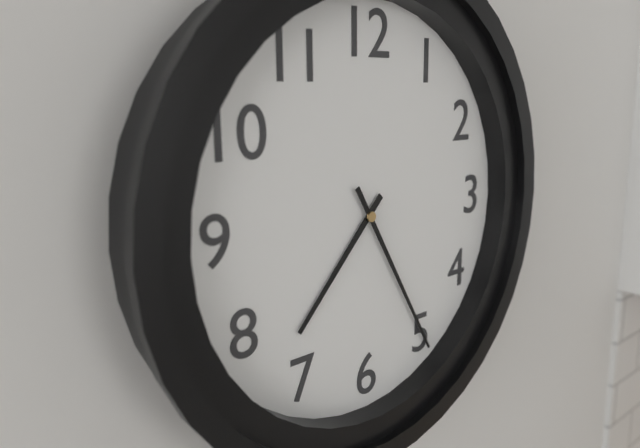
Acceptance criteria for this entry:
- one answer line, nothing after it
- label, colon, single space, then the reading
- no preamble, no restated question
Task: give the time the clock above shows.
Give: 7:25
